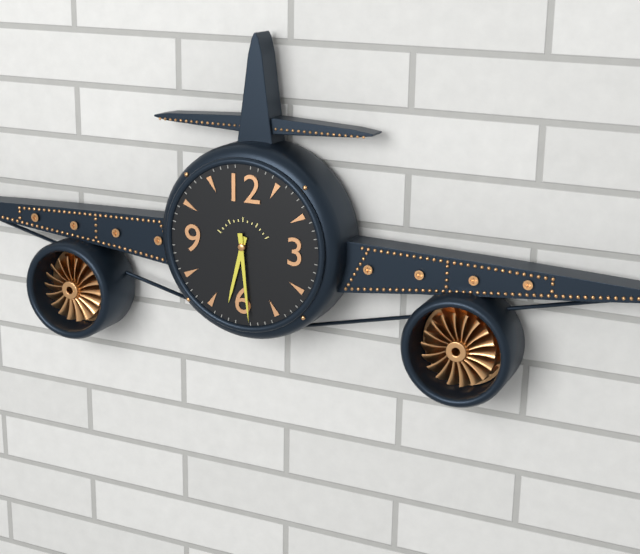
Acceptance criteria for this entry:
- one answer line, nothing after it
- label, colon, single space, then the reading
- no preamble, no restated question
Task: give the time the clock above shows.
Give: 6:29
